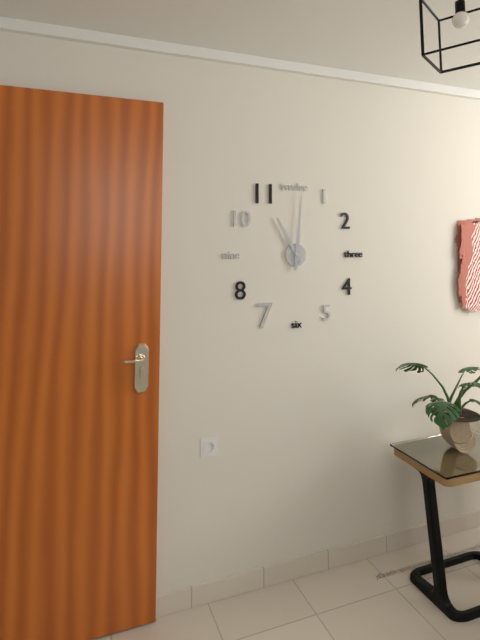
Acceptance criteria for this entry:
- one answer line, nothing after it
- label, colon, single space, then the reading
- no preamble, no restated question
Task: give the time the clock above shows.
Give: 11:01
